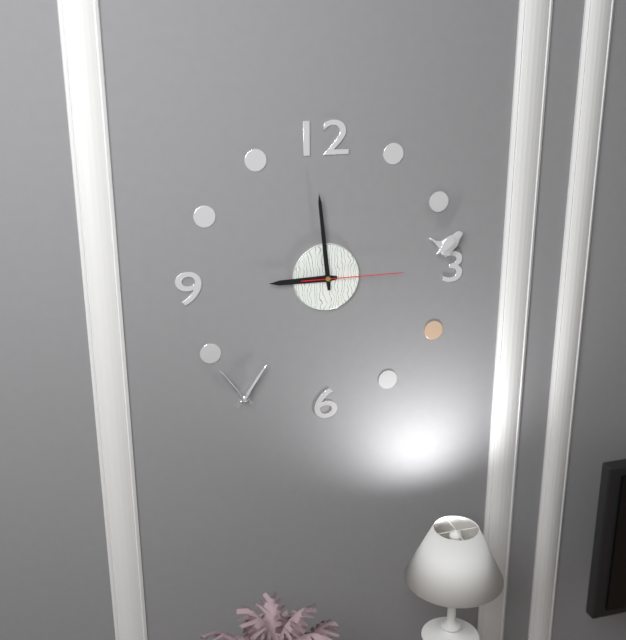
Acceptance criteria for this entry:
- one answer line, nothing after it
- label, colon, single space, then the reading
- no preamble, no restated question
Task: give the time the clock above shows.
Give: 8:59:15
